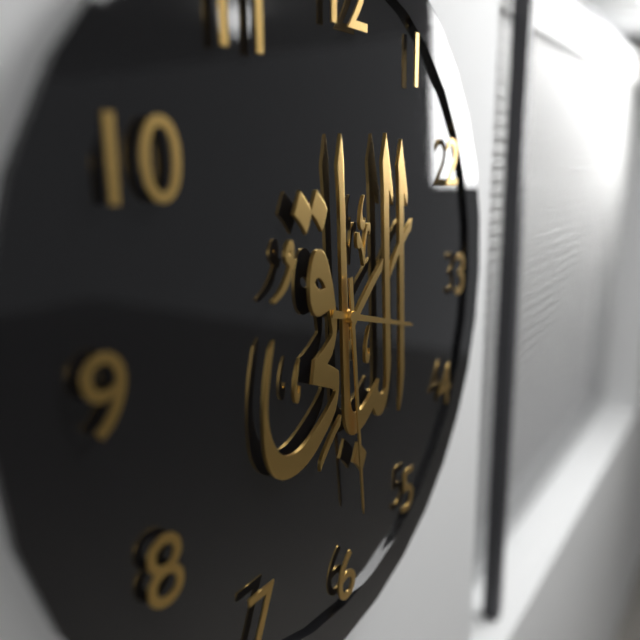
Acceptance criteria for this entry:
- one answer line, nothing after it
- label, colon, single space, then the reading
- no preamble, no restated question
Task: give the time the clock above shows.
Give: 3:29
